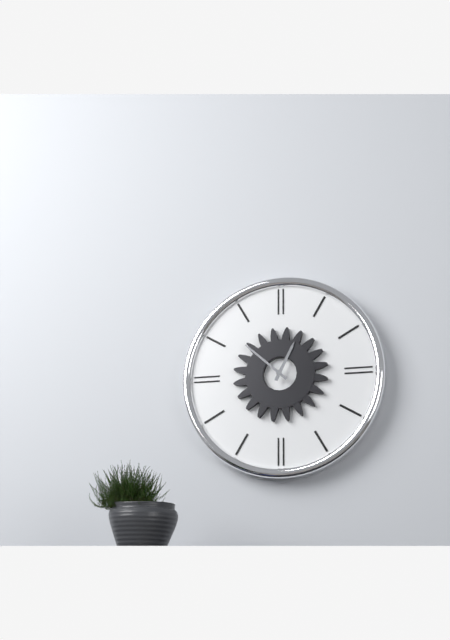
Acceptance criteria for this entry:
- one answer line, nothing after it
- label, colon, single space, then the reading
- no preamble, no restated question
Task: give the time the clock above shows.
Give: 12:52
